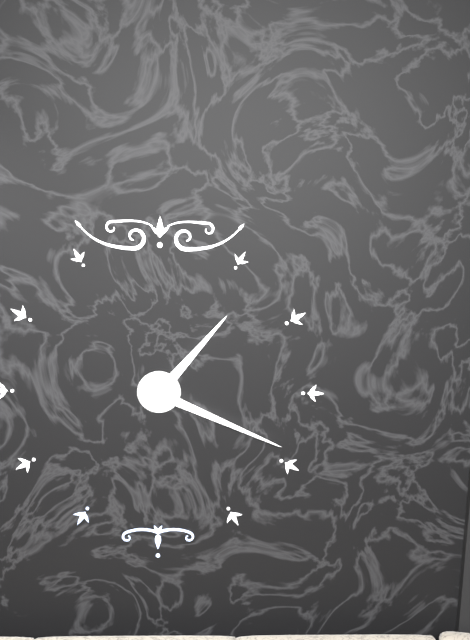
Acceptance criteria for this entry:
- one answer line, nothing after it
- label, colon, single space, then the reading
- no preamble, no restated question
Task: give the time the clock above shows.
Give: 1:19
